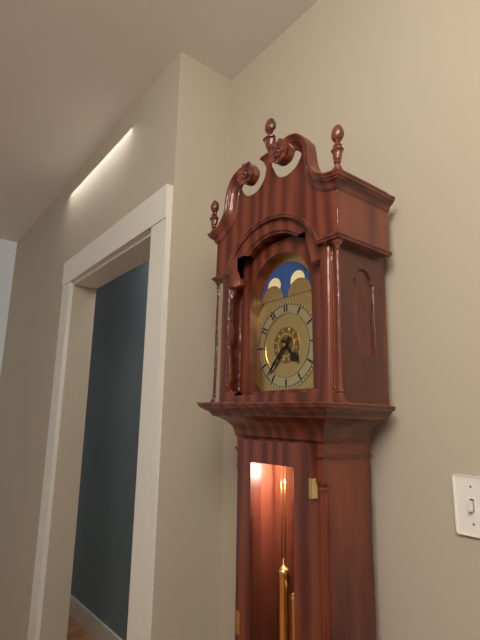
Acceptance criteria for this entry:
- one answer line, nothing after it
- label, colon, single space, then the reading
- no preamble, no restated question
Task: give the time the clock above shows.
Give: 4:37
